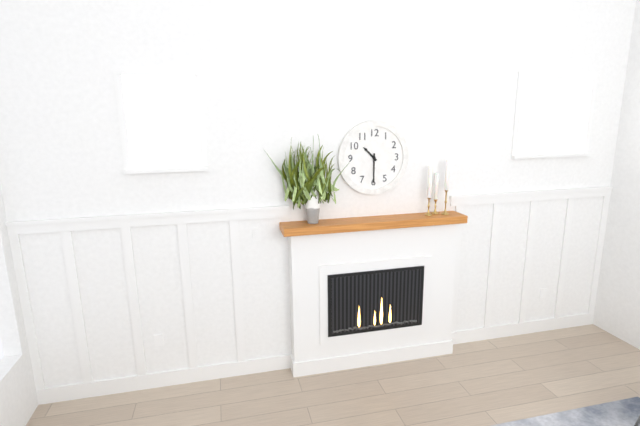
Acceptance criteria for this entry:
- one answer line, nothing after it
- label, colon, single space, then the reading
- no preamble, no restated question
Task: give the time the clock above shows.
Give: 10:30
